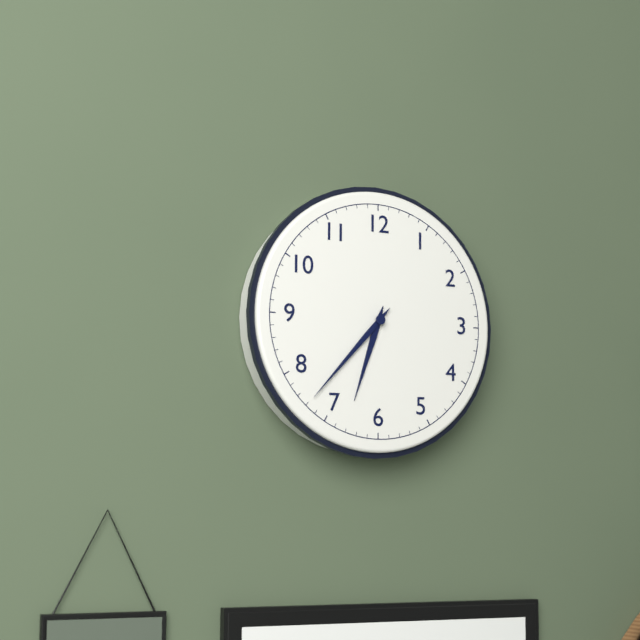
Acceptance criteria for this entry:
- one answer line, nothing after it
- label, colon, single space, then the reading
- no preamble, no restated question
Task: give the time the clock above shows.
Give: 6:37
